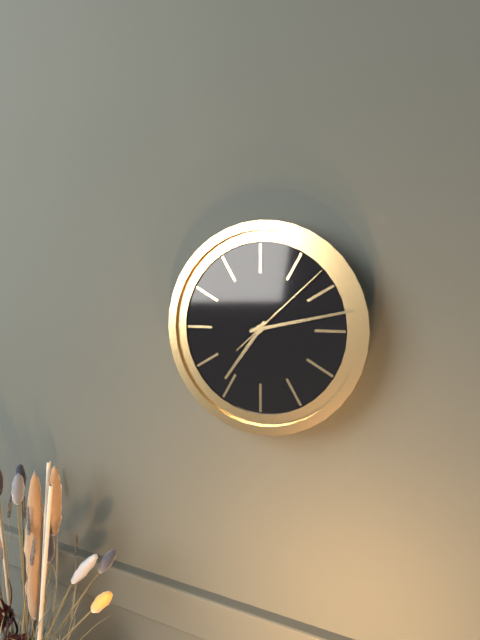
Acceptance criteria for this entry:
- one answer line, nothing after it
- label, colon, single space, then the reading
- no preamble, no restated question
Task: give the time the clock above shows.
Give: 7:13:08
